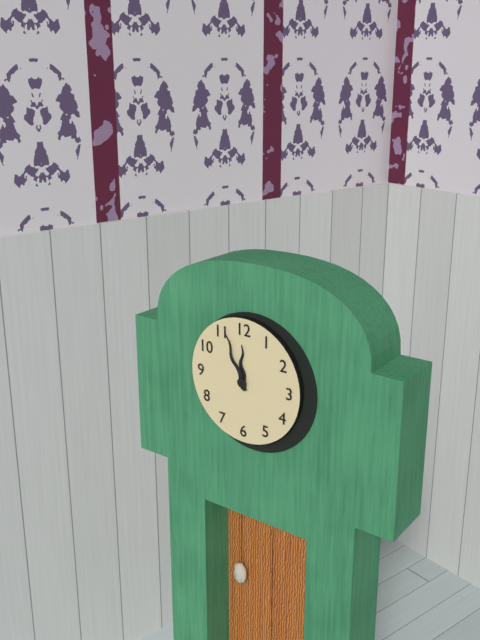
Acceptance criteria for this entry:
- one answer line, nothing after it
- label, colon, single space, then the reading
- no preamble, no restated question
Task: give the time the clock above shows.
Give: 11:56
